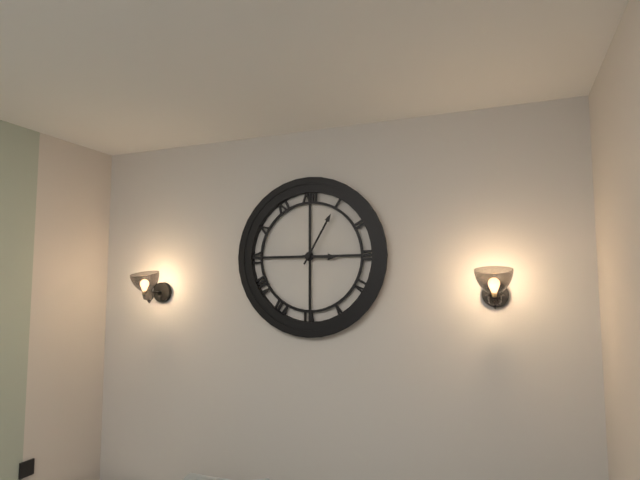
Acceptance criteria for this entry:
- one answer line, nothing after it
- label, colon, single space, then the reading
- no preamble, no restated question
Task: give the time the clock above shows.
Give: 3:05
